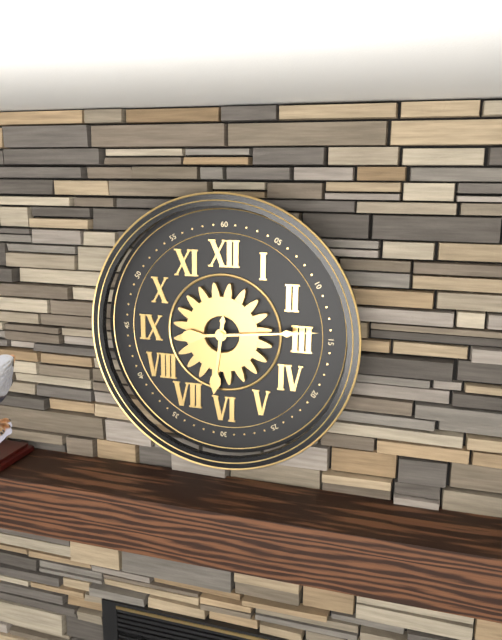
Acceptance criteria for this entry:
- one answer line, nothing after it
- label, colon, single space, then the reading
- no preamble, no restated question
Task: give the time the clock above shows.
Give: 6:14
